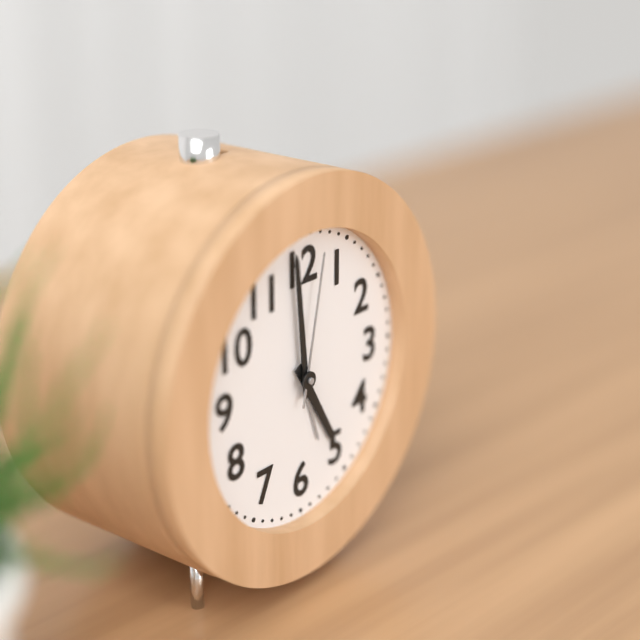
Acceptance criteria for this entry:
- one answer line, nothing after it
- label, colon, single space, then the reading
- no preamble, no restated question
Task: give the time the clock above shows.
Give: 4:59:02
